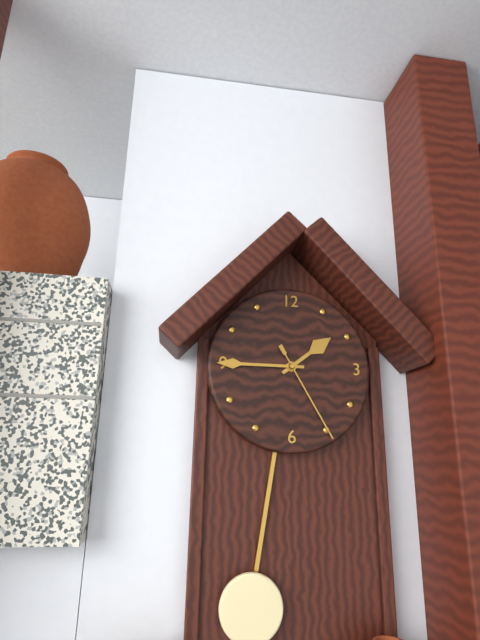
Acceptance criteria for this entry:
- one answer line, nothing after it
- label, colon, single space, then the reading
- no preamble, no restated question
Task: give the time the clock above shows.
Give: 1:45:25
